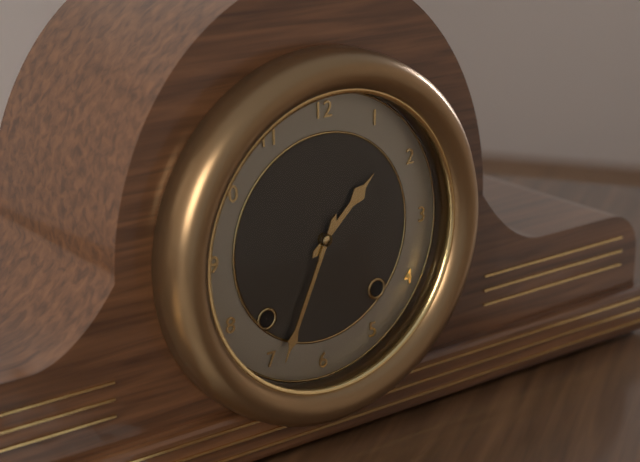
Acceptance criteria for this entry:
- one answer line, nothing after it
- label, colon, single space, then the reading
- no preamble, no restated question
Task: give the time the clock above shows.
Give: 1:34
